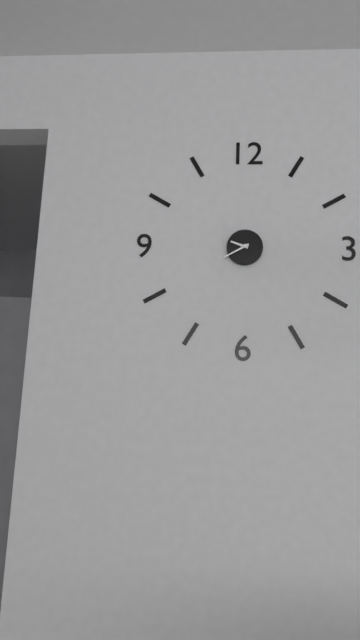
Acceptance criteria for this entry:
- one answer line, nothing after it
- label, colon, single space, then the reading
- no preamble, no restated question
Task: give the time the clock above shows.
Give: 9:40
